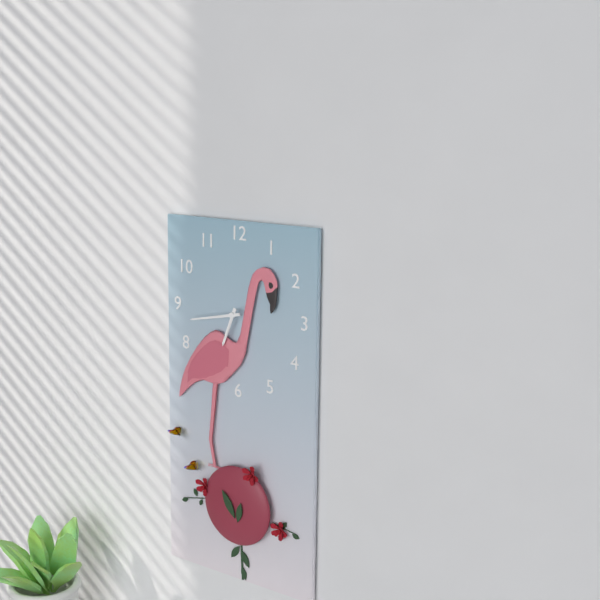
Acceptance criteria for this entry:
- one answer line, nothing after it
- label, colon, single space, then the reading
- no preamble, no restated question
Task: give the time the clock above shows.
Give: 6:43
